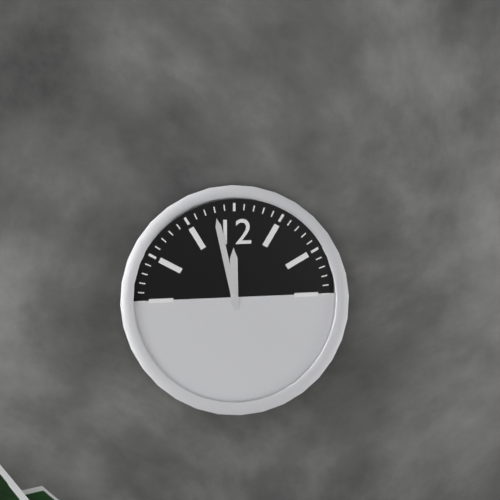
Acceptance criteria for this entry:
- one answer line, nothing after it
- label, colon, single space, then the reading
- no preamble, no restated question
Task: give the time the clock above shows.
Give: 11:58
